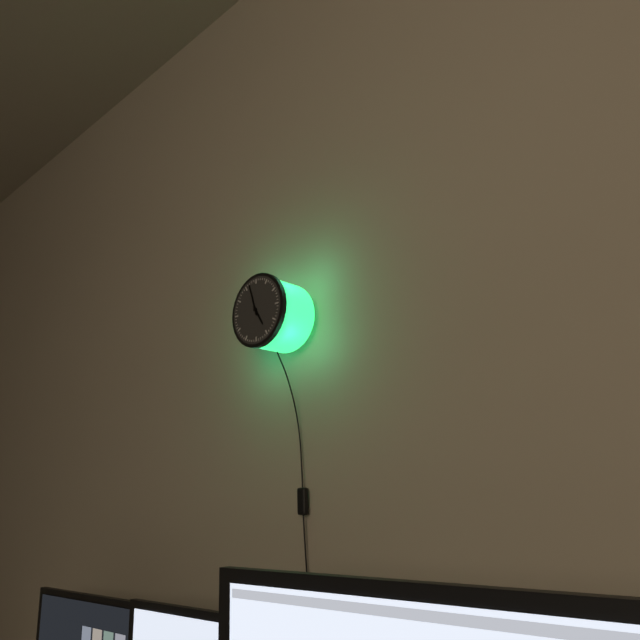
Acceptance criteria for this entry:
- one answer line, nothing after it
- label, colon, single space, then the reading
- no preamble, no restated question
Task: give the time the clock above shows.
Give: 4:57
